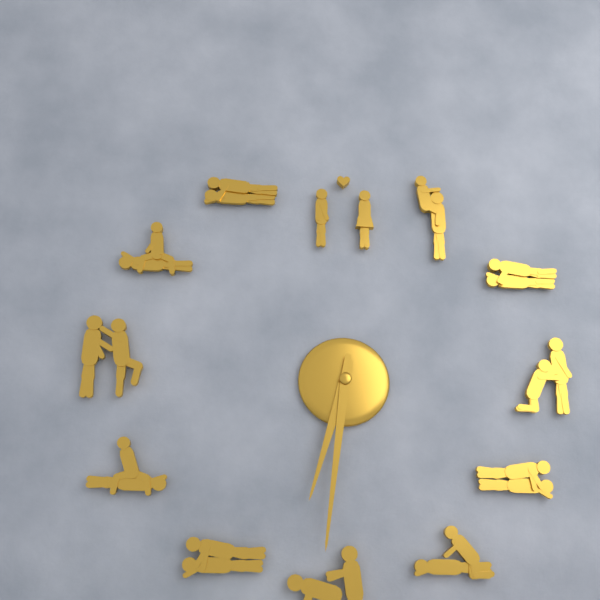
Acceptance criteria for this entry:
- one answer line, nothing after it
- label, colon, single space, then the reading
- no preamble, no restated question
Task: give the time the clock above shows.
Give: 6:31
